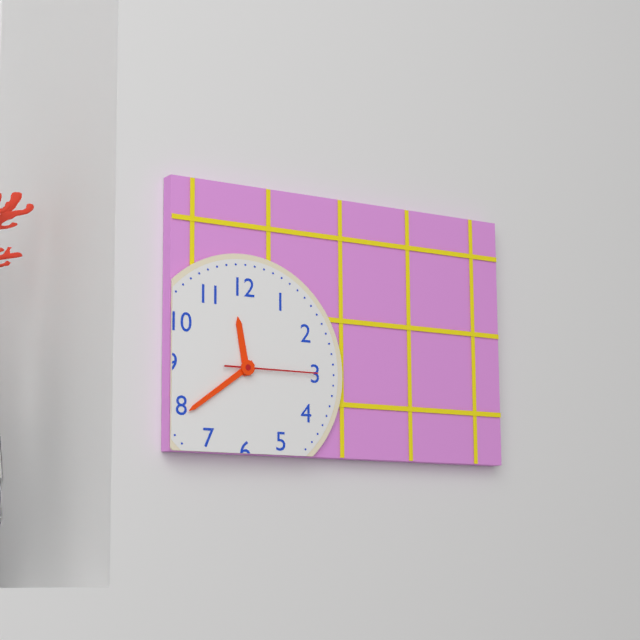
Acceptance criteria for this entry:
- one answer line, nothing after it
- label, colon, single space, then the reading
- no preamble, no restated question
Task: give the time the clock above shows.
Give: 11:39:15
